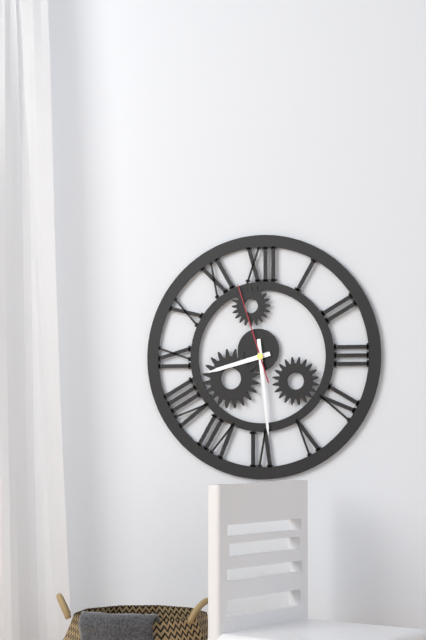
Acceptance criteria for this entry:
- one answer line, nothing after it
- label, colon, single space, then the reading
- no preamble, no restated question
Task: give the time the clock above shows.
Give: 8:29:57
